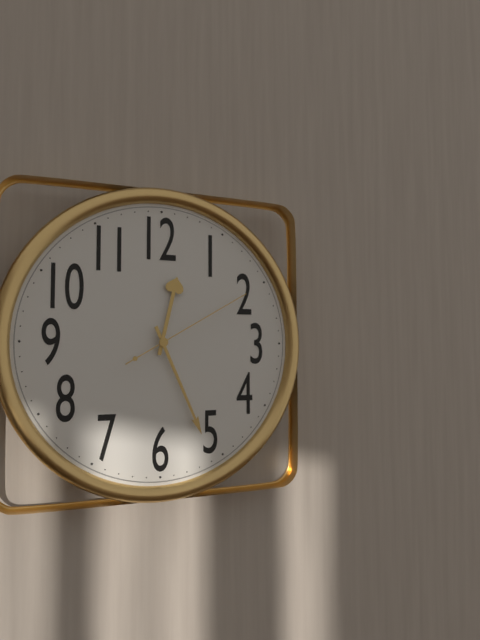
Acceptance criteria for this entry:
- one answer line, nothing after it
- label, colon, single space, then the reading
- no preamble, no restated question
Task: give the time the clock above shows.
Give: 12:26:10
